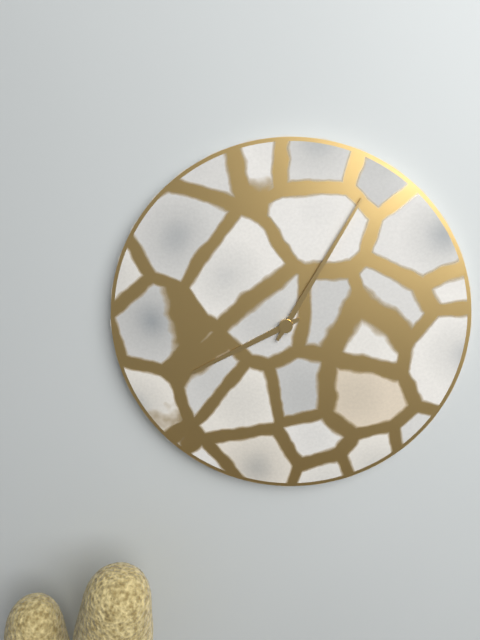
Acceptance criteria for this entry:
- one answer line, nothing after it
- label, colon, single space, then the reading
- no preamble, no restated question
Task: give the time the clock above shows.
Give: 8:05
